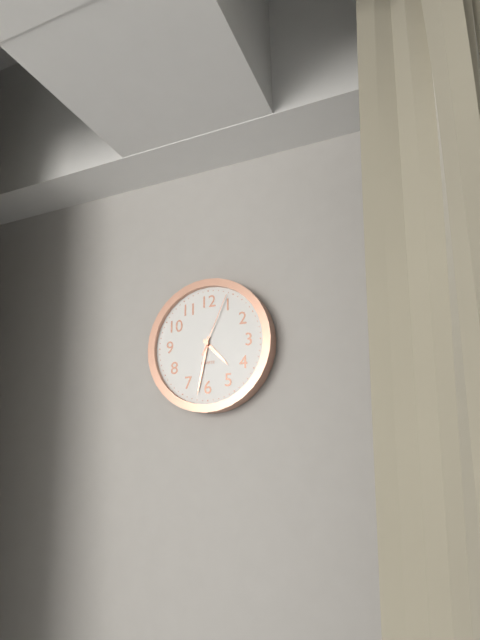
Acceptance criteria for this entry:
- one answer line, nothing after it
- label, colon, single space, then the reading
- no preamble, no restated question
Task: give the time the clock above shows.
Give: 4:32:04
